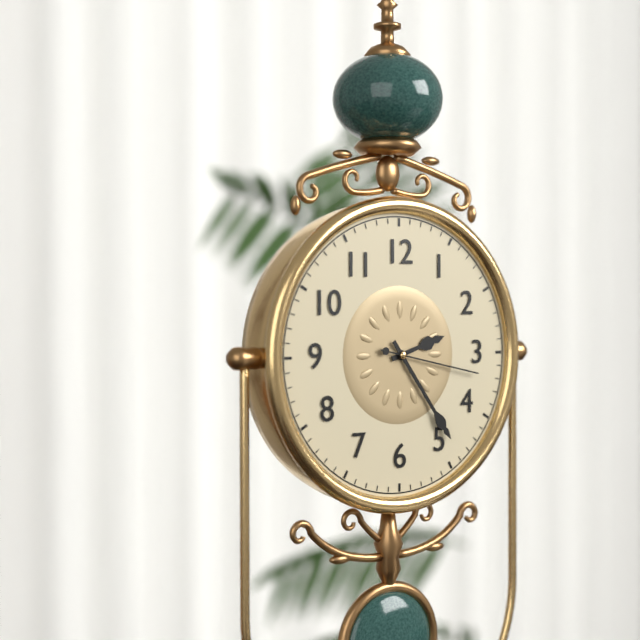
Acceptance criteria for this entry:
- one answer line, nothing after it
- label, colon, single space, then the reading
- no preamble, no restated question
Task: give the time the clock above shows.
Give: 2:24:17
